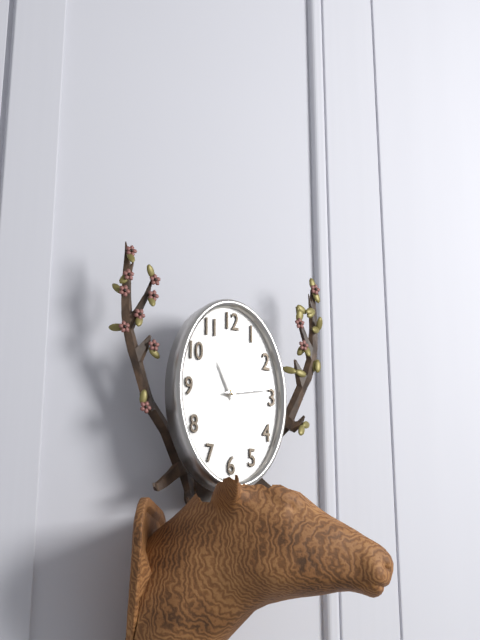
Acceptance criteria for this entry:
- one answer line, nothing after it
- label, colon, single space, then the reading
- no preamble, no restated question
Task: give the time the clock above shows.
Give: 11:13
